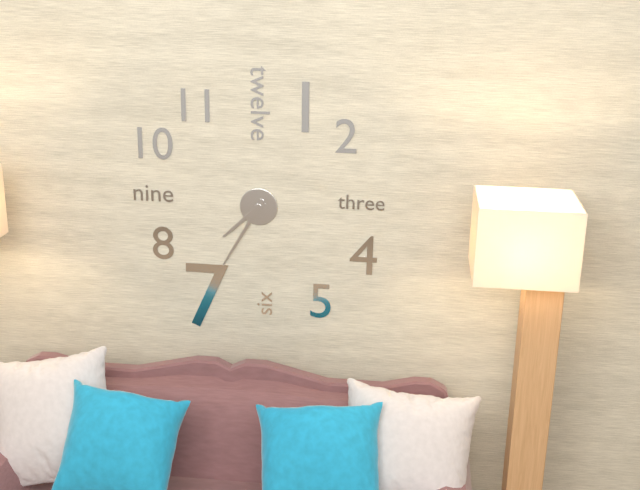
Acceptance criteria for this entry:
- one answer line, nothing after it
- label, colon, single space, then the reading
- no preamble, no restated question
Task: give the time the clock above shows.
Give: 7:35
